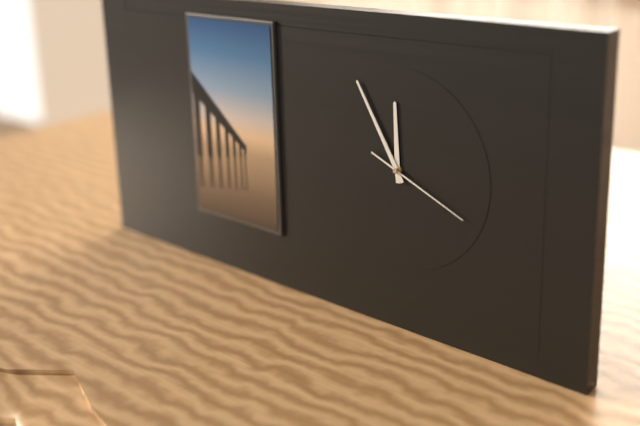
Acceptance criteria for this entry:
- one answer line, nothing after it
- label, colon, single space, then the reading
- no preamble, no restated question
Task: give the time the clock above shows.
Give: 11:55:19
